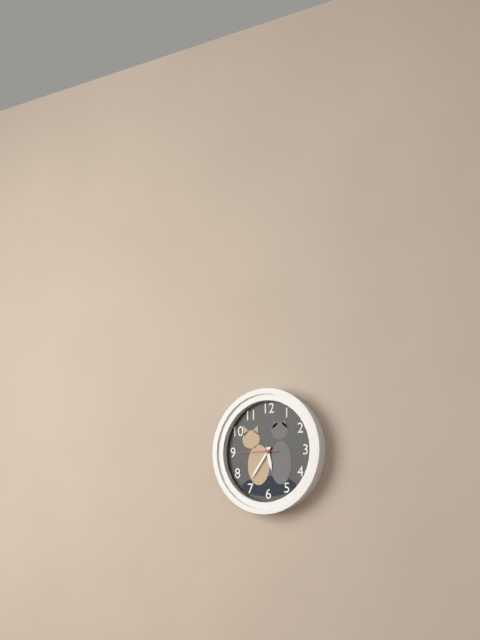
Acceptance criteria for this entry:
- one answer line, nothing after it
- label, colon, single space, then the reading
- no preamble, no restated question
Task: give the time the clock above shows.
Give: 5:36
